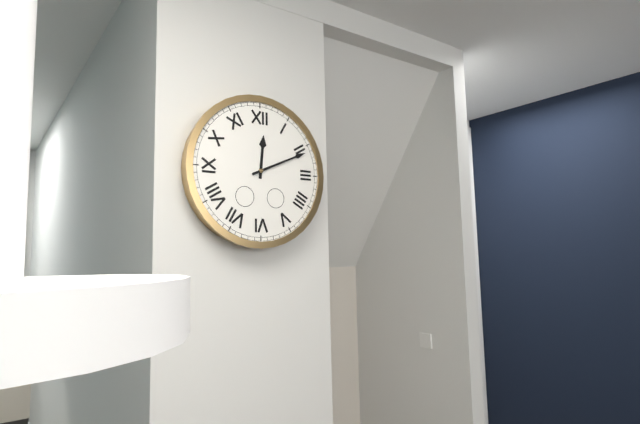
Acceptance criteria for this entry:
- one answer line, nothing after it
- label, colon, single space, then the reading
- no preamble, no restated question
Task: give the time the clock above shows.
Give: 12:11
